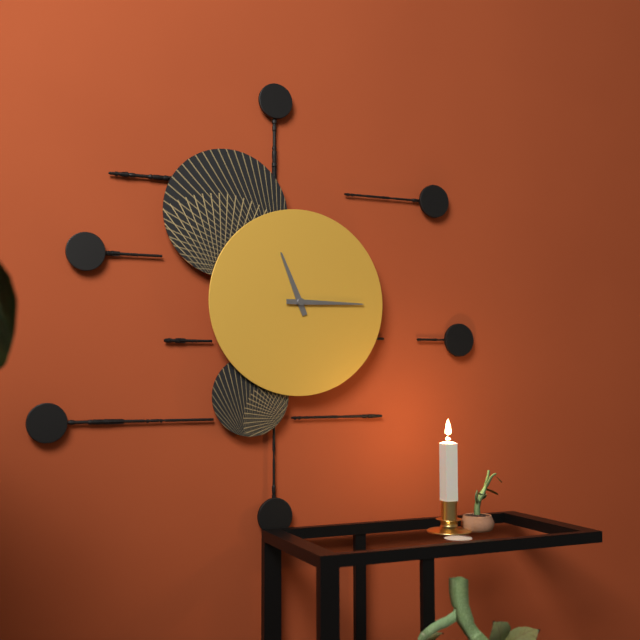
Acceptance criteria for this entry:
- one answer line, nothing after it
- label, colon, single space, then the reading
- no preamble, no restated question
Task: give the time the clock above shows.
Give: 11:15
